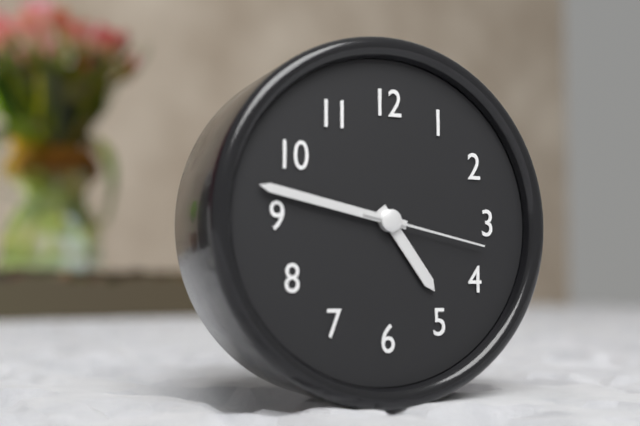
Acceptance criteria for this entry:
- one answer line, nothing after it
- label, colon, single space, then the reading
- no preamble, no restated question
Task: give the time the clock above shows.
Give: 4:47:17
